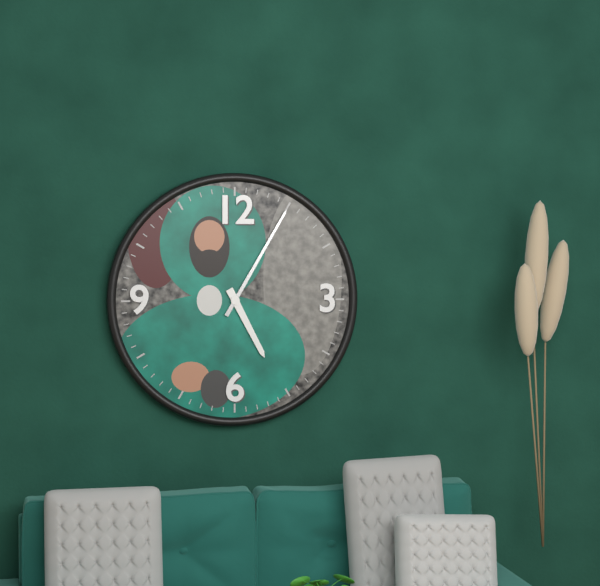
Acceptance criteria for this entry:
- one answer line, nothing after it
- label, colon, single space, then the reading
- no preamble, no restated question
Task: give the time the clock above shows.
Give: 5:05
